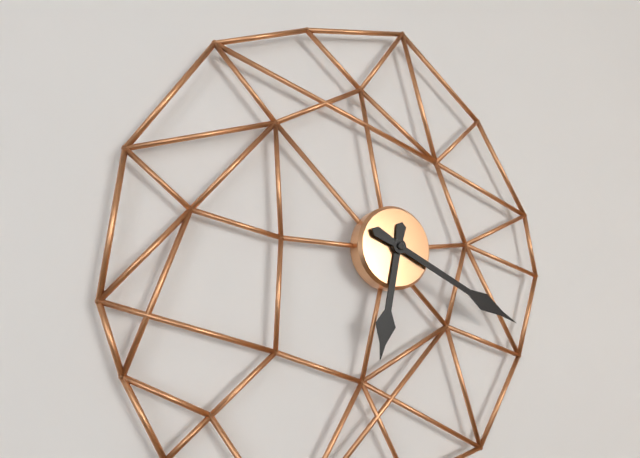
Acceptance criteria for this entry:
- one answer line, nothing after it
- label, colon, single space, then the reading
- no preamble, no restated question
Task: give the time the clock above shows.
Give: 6:19
